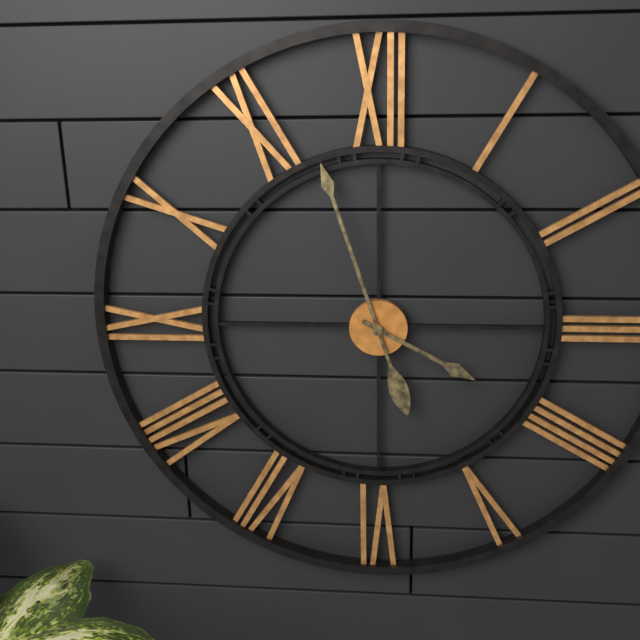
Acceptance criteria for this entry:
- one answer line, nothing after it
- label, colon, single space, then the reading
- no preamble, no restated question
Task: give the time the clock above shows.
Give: 3:57
